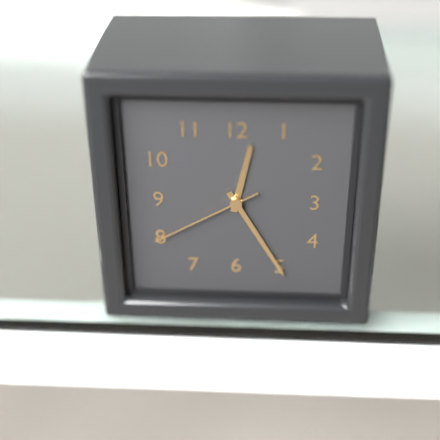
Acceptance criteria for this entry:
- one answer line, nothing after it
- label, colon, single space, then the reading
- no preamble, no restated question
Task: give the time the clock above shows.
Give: 12:25:40
